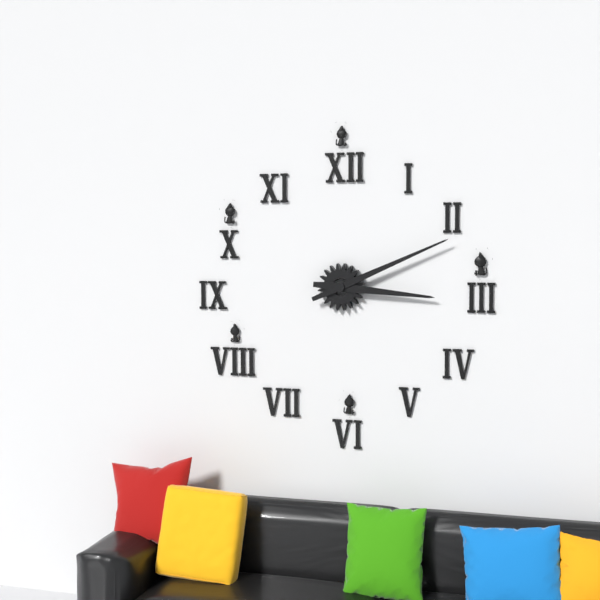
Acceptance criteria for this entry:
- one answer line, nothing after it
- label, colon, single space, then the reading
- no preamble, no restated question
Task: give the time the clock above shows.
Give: 3:11
